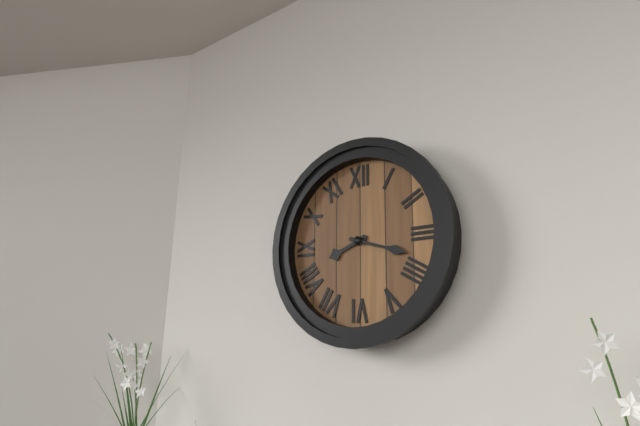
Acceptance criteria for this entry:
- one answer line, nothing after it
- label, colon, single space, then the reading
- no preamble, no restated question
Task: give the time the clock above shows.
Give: 8:18
